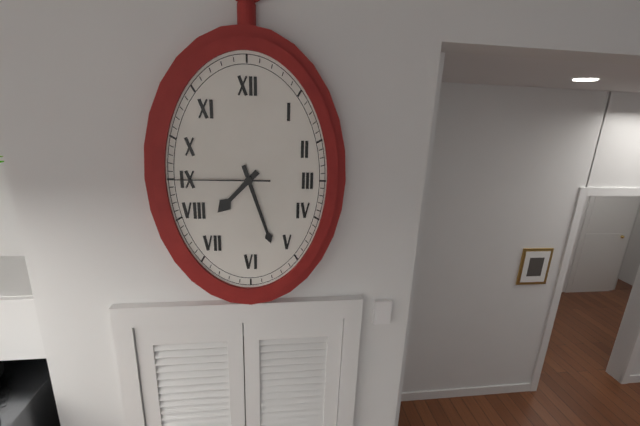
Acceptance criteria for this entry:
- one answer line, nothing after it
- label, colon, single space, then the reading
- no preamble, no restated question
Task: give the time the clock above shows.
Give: 7:27:45
